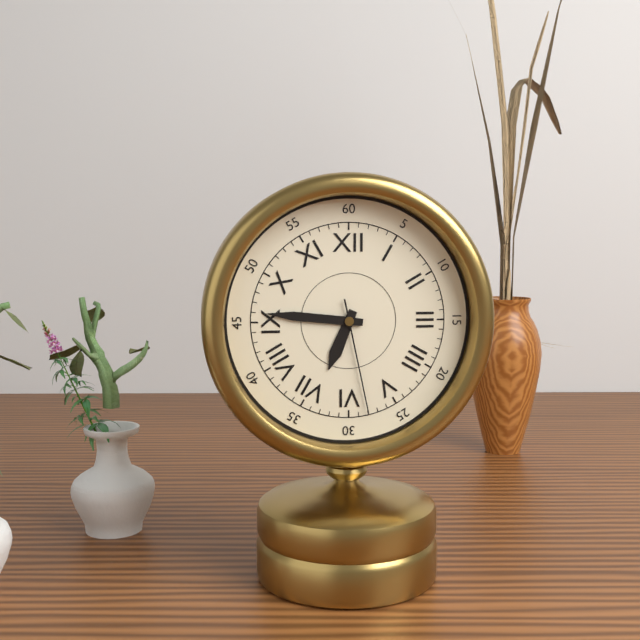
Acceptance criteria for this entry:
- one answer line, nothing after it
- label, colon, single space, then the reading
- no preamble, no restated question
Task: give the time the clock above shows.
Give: 6:46:28
